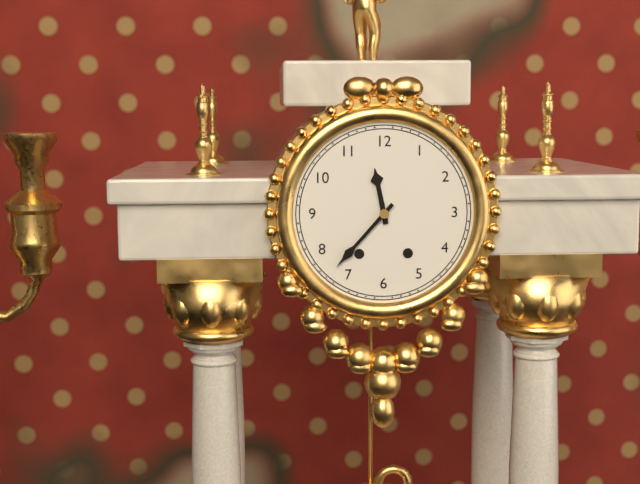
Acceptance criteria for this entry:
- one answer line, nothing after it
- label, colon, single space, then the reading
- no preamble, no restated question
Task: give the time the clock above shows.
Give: 11:37
